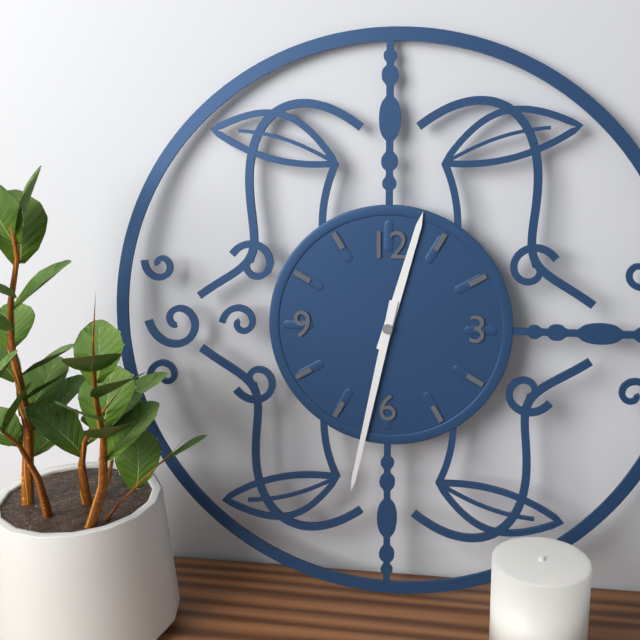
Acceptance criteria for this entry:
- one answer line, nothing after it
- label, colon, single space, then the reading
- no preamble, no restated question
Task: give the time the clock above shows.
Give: 12:32
